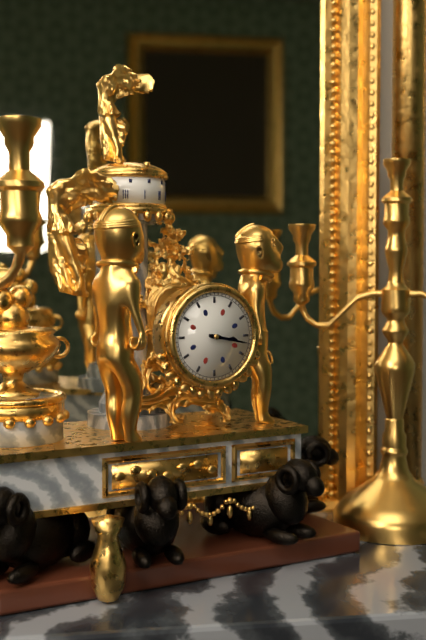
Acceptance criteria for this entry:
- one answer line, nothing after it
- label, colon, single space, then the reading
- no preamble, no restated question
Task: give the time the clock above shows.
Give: 3:17
